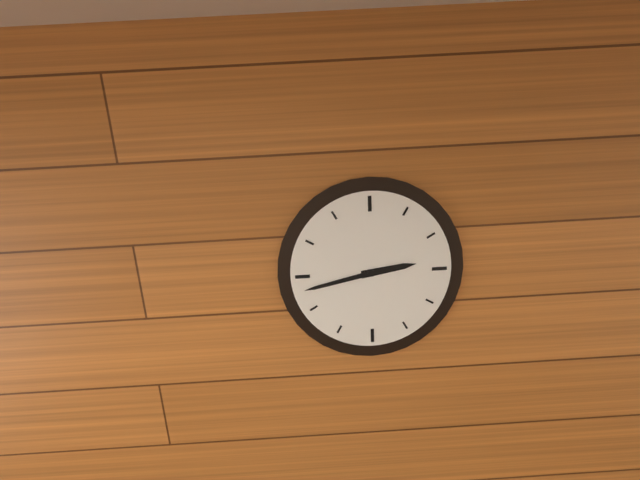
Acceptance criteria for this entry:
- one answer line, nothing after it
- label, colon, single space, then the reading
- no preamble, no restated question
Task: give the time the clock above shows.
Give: 2:43
